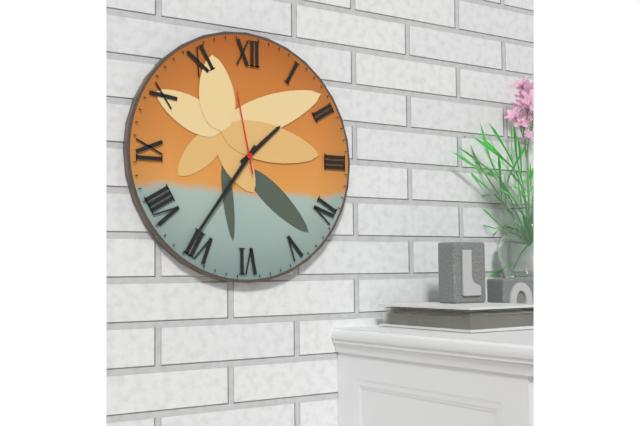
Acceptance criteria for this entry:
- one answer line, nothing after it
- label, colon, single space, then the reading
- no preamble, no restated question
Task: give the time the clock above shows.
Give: 1:36:58
